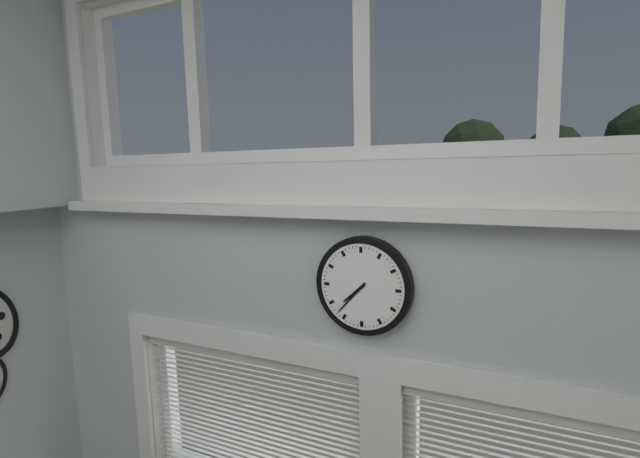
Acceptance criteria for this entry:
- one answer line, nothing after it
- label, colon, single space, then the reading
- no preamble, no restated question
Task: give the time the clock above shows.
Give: 7:37
